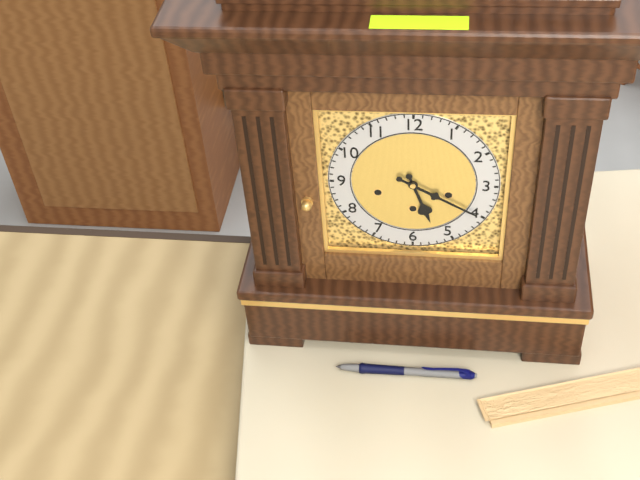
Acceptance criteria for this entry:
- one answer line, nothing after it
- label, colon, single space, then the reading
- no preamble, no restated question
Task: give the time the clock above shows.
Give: 5:20
